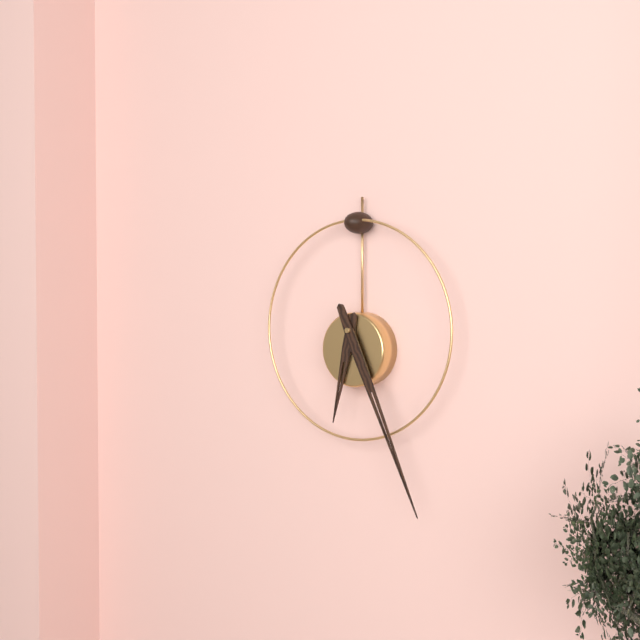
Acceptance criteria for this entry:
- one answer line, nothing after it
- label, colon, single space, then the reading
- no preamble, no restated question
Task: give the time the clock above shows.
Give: 6:26
